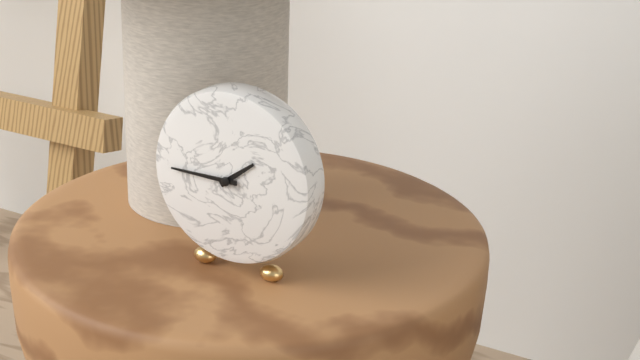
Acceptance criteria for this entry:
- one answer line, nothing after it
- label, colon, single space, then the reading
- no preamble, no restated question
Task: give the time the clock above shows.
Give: 1:45
